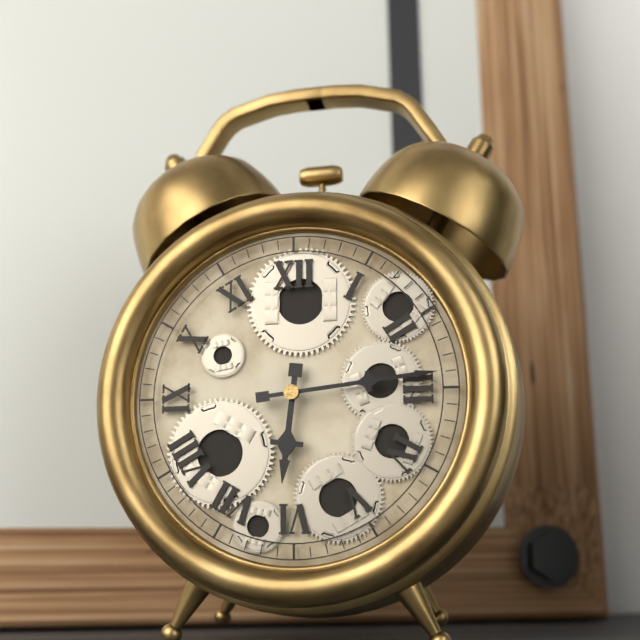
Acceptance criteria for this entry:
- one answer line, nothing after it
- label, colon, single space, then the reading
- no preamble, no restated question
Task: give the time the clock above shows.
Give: 6:14
